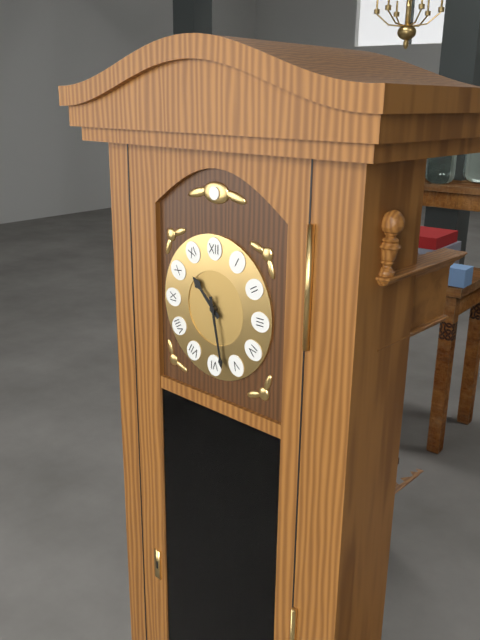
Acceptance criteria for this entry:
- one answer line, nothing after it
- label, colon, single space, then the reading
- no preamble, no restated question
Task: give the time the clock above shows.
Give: 10:28
